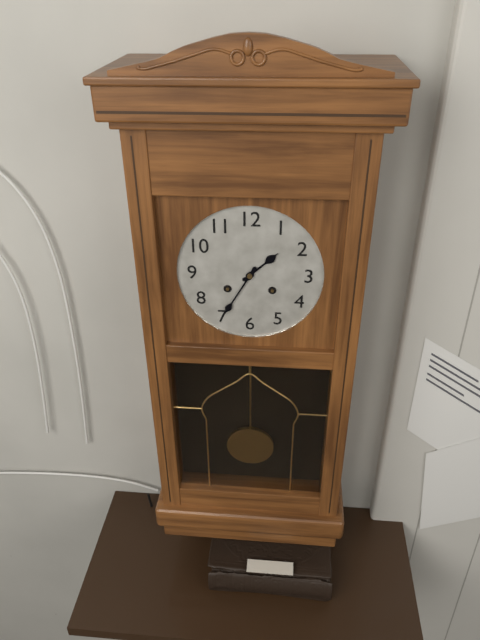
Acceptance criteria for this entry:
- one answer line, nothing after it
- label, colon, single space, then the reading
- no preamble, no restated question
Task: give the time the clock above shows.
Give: 1:35
